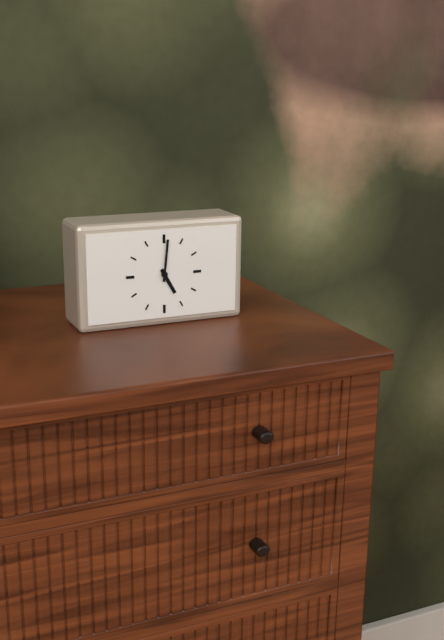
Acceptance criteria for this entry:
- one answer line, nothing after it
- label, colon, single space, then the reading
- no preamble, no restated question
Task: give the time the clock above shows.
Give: 5:01
